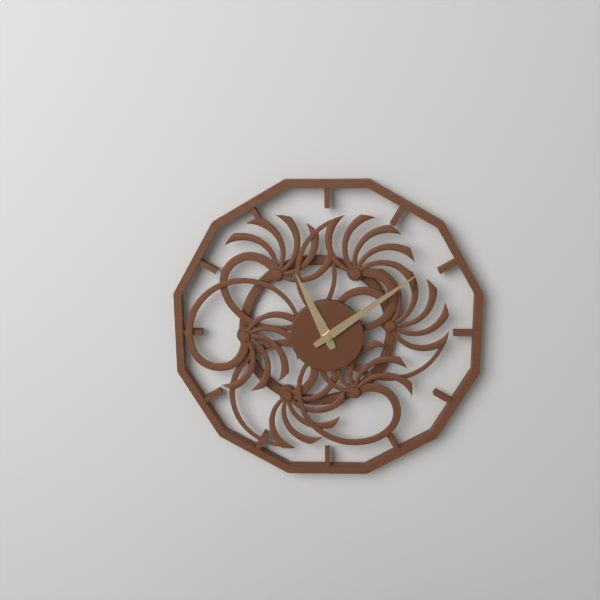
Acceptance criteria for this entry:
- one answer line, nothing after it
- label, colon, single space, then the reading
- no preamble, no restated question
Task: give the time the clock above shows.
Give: 11:09
